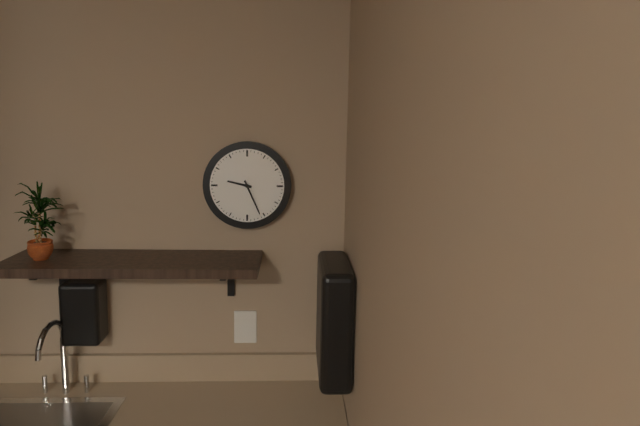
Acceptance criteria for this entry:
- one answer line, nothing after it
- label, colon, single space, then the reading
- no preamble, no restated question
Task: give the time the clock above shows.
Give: 9:26
